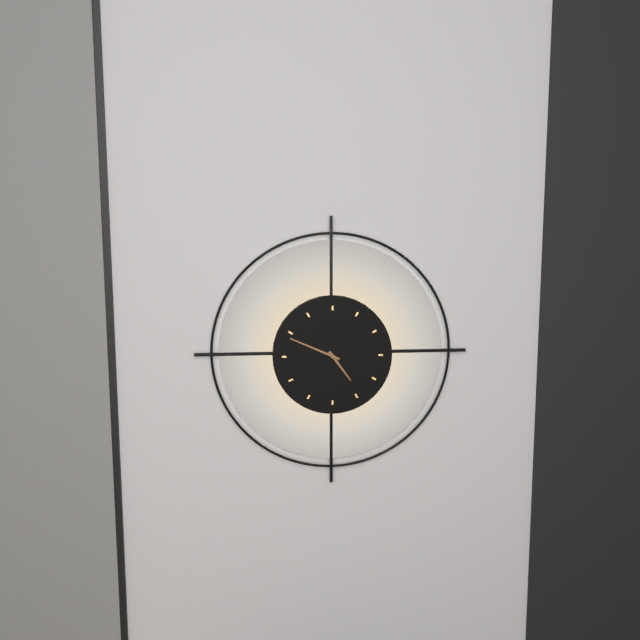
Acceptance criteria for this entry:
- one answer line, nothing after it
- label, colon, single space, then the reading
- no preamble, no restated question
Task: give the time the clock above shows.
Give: 4:49
